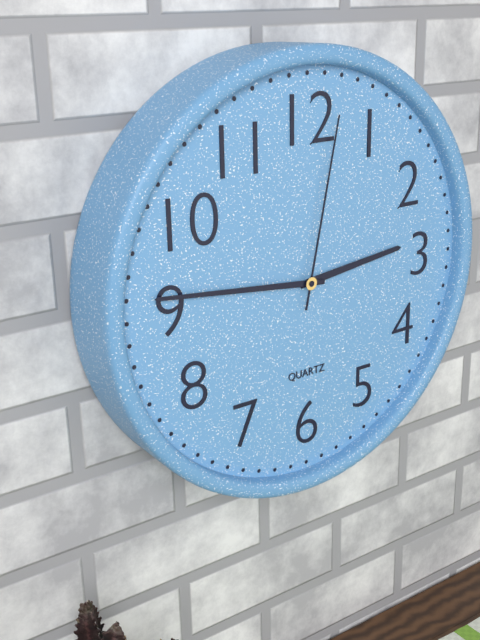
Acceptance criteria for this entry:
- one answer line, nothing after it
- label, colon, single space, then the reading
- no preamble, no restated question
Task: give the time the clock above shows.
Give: 2:46:02
